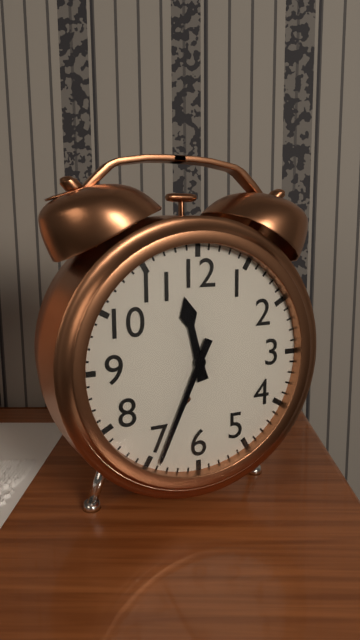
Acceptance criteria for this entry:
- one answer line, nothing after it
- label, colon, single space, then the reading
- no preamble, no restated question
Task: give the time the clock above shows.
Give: 11:34
